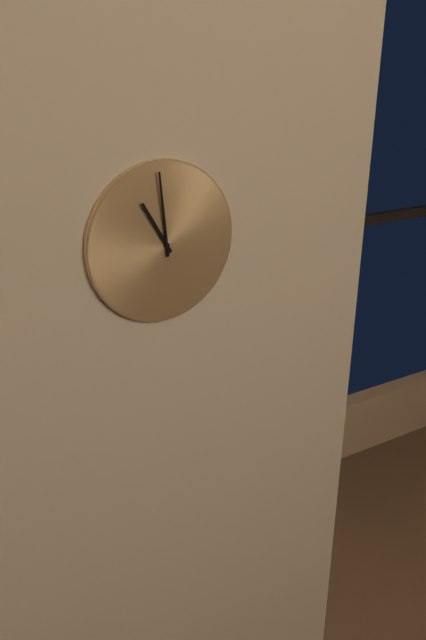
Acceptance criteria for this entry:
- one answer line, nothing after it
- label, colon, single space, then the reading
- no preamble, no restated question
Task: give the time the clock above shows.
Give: 10:59
